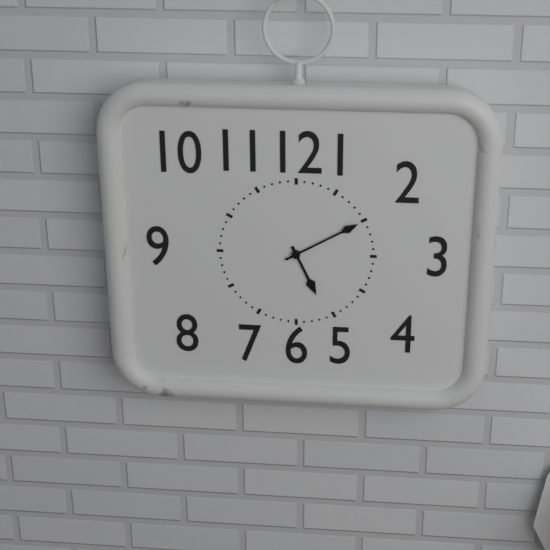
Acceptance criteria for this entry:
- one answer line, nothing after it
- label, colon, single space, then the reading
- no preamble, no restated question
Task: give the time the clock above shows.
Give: 5:10
